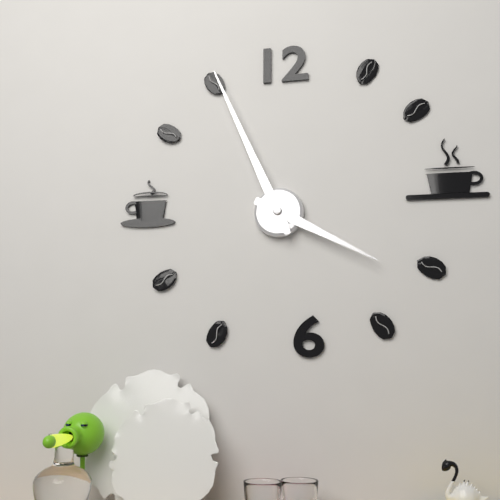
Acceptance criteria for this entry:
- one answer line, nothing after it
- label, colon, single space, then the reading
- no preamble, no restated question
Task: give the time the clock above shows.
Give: 3:56
